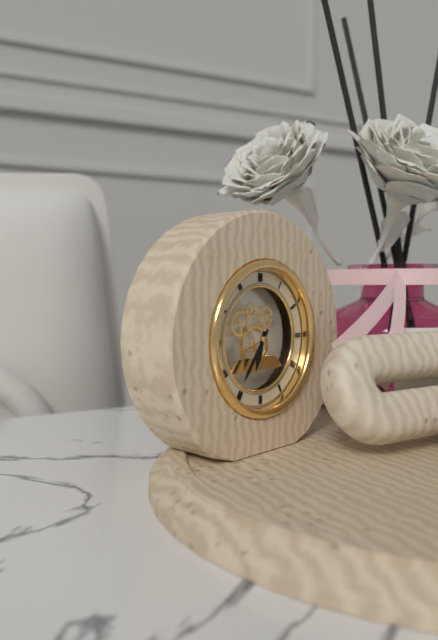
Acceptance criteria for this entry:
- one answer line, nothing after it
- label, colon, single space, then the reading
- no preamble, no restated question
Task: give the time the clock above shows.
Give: 6:36
